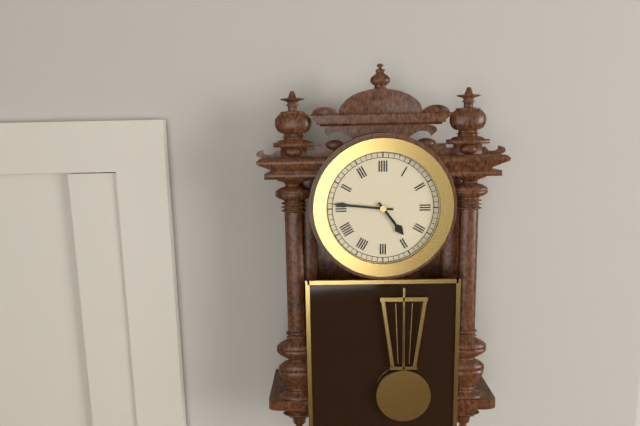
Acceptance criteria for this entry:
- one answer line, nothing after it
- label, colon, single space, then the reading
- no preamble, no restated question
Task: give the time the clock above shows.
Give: 4:46
